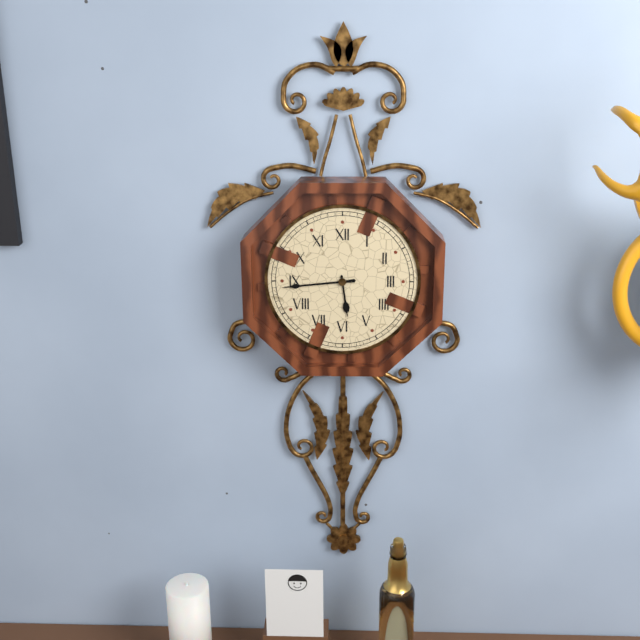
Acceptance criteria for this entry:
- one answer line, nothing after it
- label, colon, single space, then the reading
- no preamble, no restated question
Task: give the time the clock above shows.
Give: 5:44
